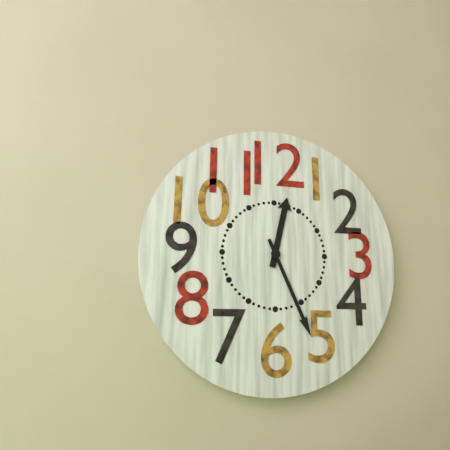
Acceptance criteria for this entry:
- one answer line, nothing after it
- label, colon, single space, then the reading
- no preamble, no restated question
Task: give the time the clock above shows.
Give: 12:26
